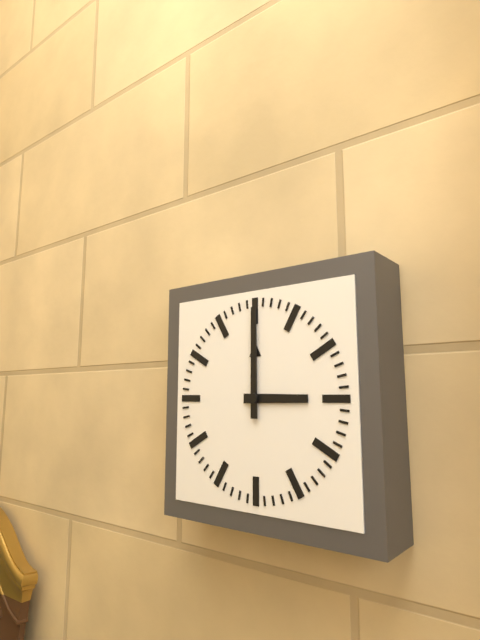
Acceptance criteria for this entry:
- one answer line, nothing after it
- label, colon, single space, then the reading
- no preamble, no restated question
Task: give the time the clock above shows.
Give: 3:00
